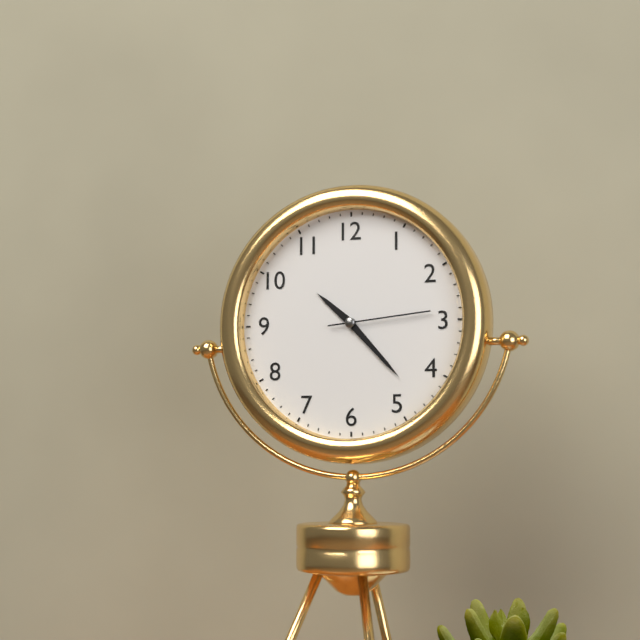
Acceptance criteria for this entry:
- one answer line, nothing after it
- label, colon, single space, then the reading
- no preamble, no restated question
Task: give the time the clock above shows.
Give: 10:23:14
